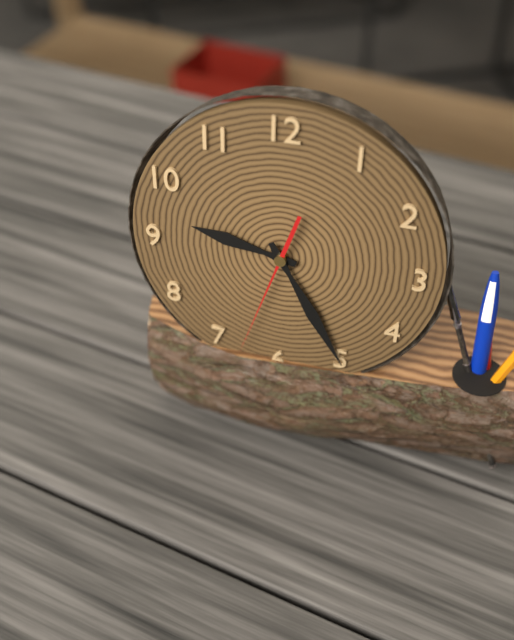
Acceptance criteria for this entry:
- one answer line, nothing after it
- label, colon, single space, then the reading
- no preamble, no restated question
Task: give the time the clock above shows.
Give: 9:25:33
